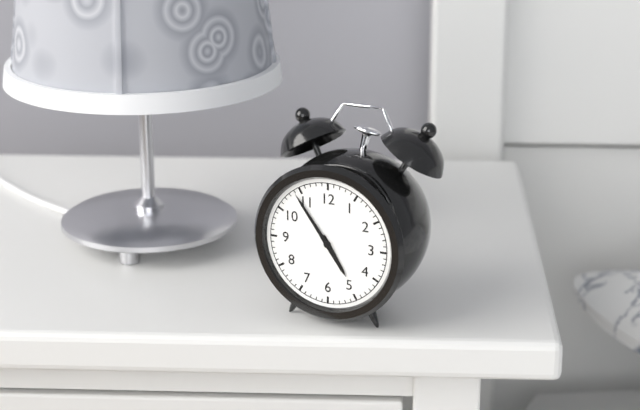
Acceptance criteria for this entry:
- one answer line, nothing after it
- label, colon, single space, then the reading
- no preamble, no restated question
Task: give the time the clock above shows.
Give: 4:54
